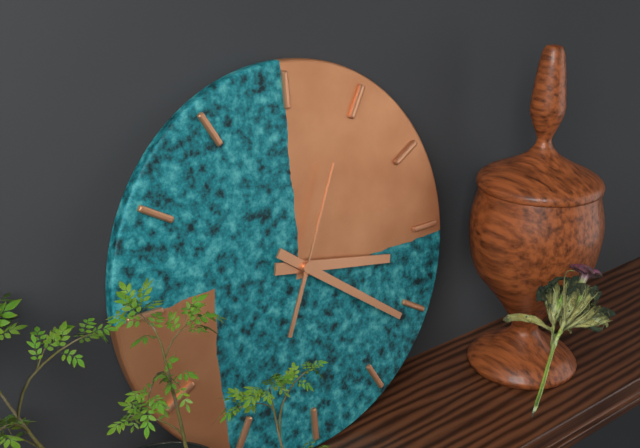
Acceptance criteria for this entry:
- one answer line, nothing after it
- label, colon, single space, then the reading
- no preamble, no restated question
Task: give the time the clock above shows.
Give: 3:21:04
